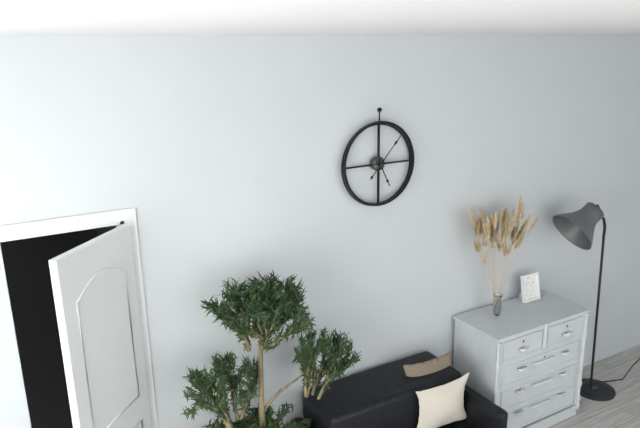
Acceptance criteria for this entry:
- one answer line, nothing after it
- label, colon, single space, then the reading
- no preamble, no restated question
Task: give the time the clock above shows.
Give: 5:07
